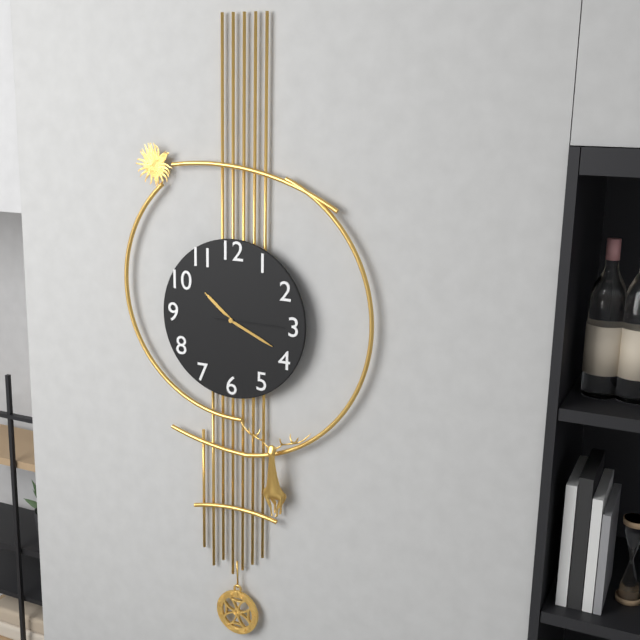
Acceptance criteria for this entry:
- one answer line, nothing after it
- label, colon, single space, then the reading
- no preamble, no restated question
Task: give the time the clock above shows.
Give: 10:19:15
